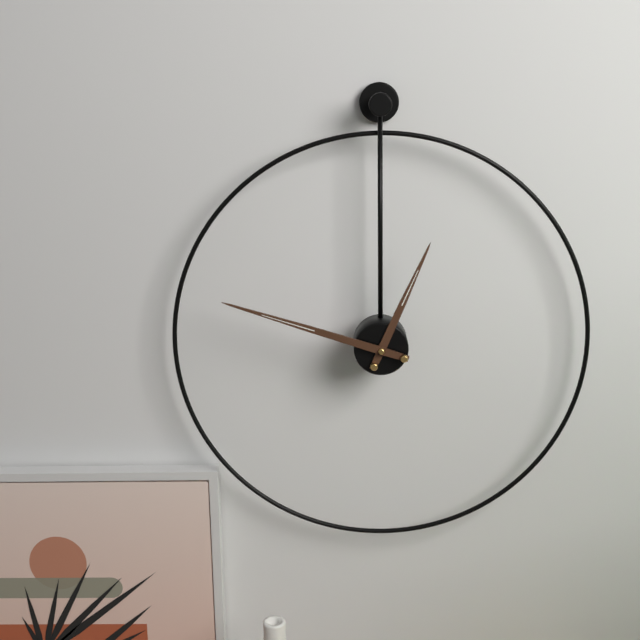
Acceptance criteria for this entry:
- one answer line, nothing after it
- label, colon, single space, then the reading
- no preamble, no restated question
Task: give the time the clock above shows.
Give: 12:48
